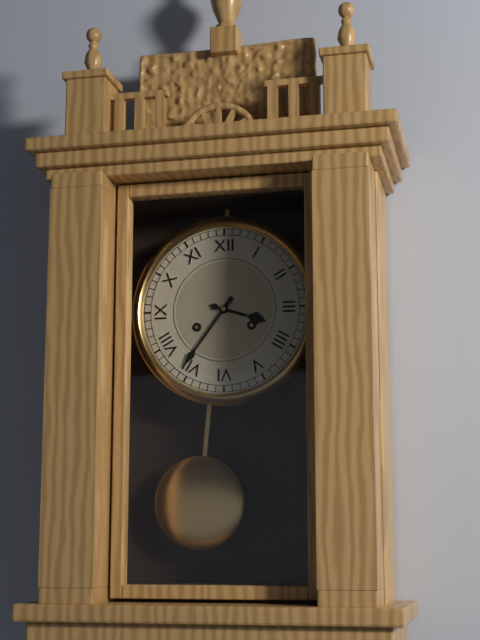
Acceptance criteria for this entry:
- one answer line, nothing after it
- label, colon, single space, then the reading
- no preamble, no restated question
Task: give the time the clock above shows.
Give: 3:36
